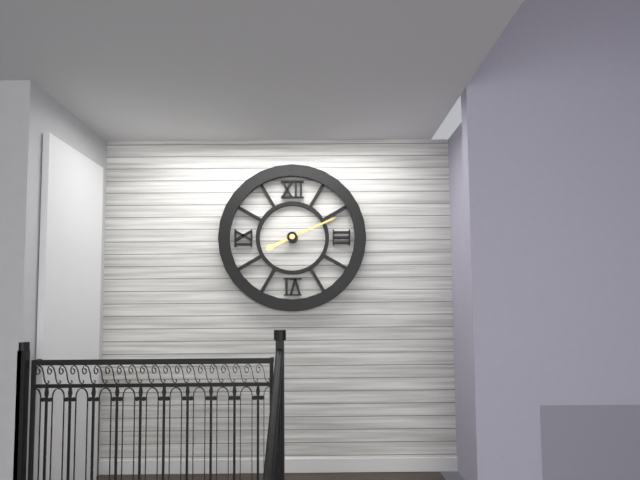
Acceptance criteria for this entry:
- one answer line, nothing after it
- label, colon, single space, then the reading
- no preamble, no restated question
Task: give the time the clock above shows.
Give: 8:11
